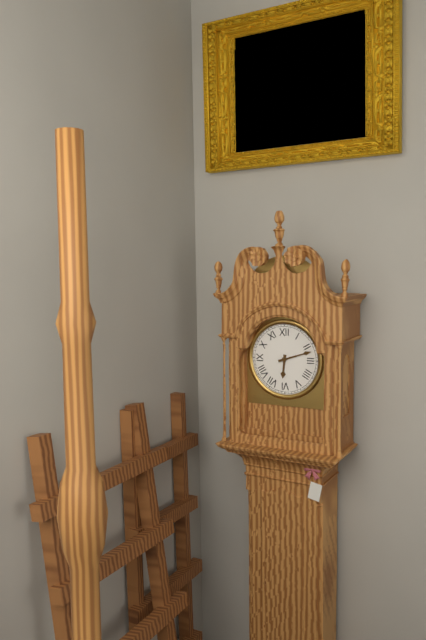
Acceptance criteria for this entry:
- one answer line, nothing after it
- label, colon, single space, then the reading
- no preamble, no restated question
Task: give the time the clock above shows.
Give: 6:12
